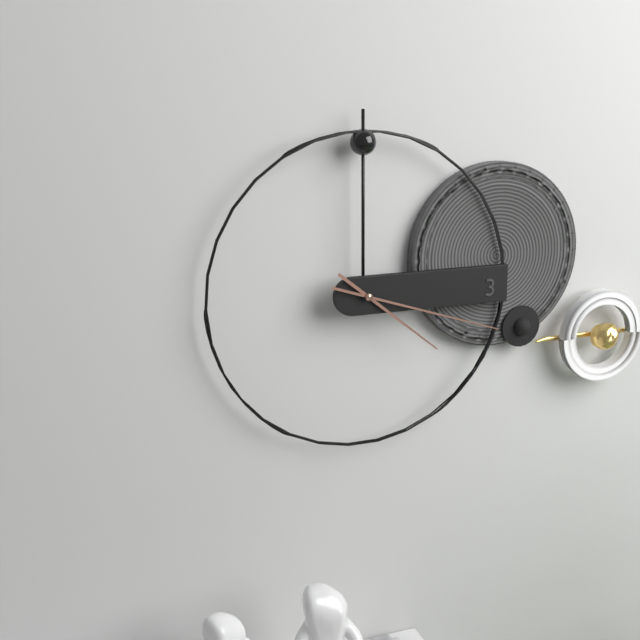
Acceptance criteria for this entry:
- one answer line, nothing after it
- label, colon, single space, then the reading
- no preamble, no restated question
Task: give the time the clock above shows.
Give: 4:18
